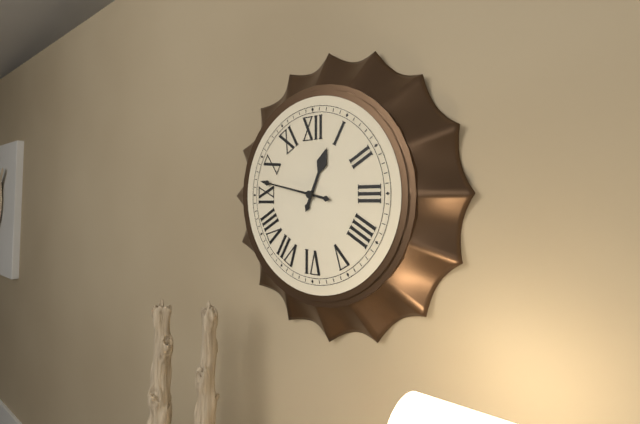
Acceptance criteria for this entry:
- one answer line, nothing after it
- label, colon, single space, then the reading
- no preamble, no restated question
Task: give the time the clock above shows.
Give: 12:47
